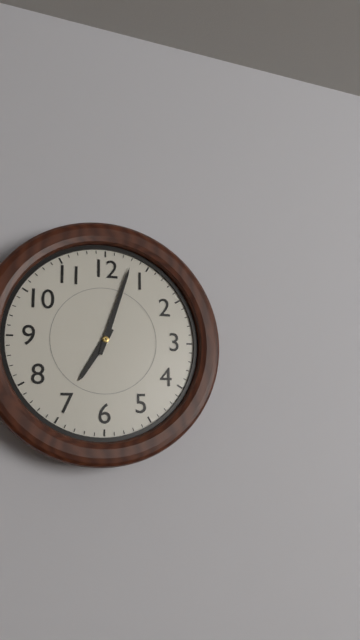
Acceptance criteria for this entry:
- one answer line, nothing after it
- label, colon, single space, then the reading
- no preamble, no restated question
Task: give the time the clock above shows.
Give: 7:03
